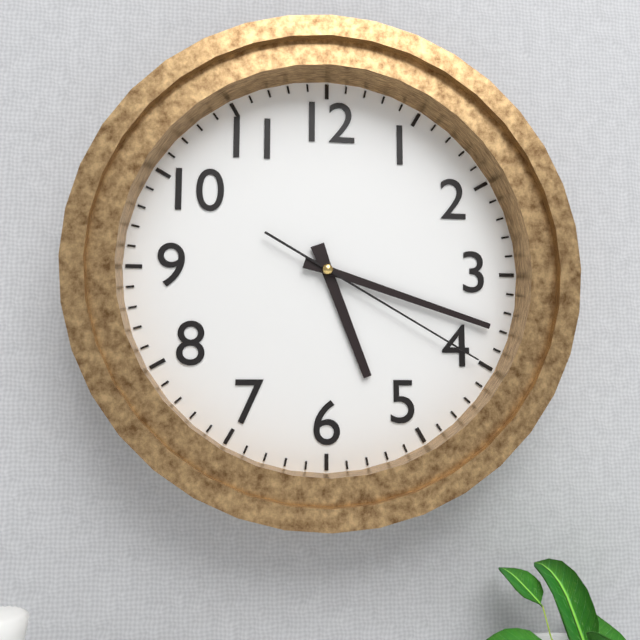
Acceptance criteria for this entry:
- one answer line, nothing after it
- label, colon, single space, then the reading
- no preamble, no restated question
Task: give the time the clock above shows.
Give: 5:18:20
